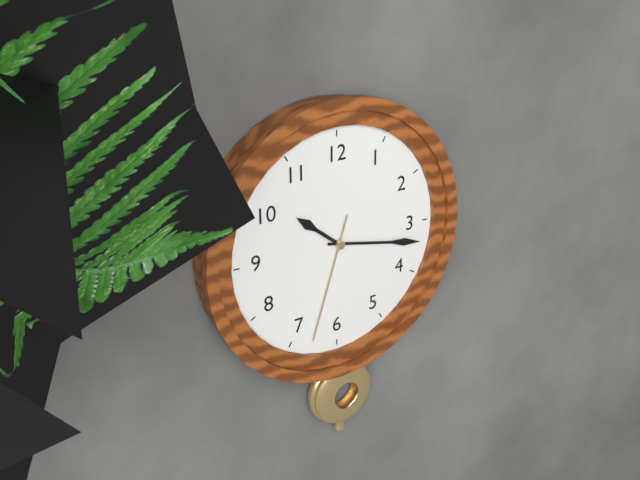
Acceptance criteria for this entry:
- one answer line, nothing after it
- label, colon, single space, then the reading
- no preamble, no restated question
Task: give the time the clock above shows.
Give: 10:17:33
